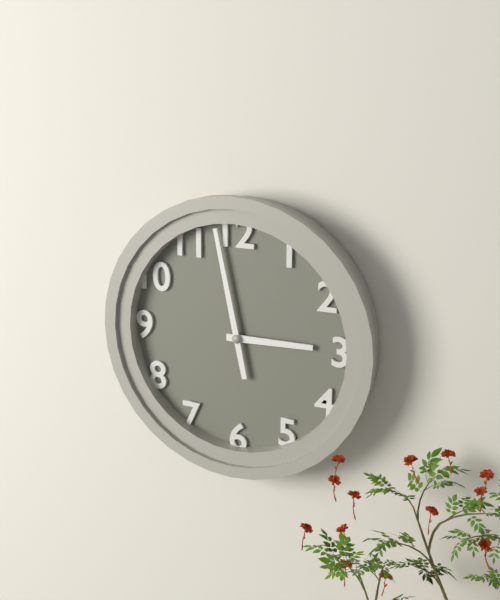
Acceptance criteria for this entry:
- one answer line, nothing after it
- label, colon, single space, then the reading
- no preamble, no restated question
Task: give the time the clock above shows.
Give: 2:58
